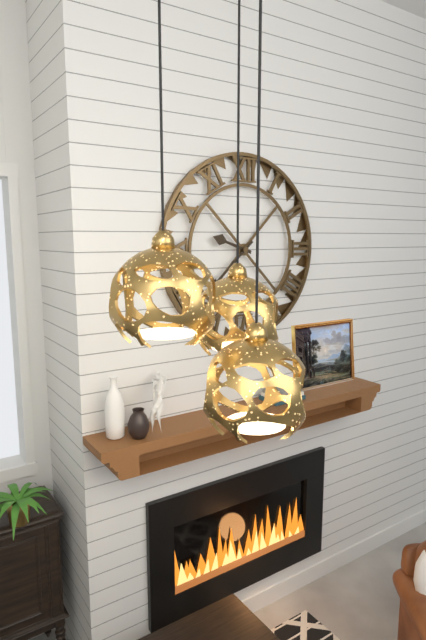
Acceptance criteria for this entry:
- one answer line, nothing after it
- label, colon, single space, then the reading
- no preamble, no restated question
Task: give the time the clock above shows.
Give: 9:38
